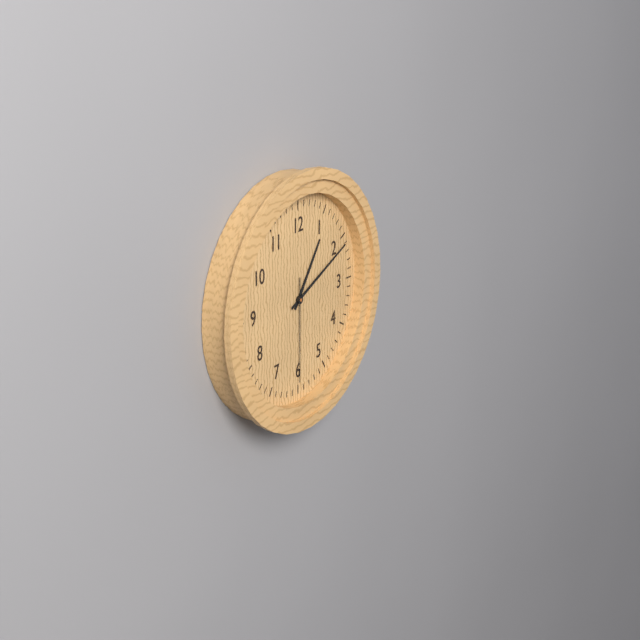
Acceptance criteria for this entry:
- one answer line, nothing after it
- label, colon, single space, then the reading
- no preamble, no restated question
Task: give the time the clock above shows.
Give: 1:11:30
